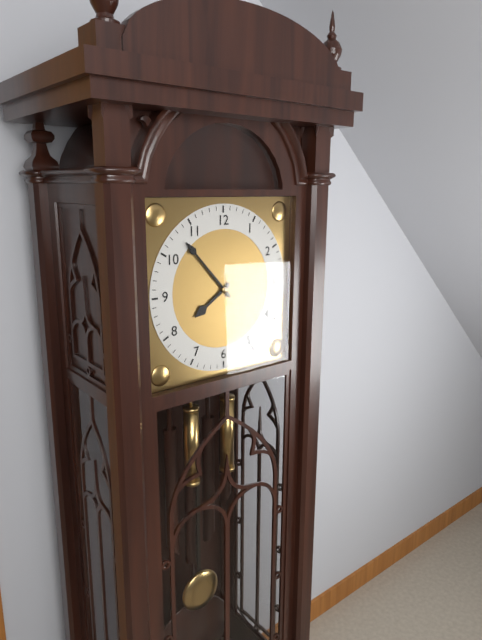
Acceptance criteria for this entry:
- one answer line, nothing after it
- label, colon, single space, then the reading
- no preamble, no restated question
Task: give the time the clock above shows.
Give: 7:53
